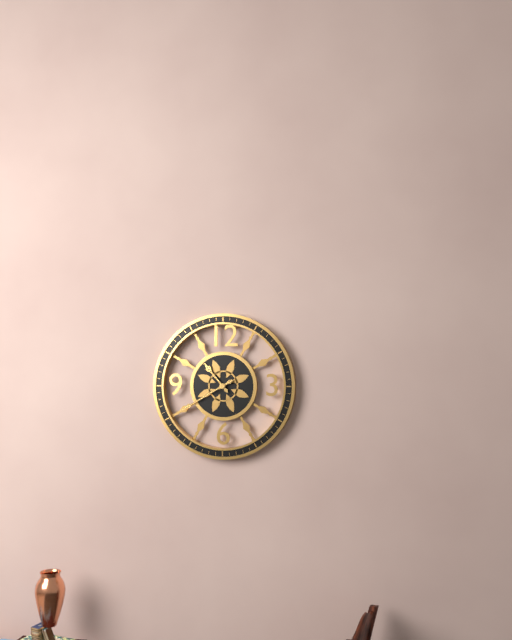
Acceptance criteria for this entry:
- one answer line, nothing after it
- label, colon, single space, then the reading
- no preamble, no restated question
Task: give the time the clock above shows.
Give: 10:40
